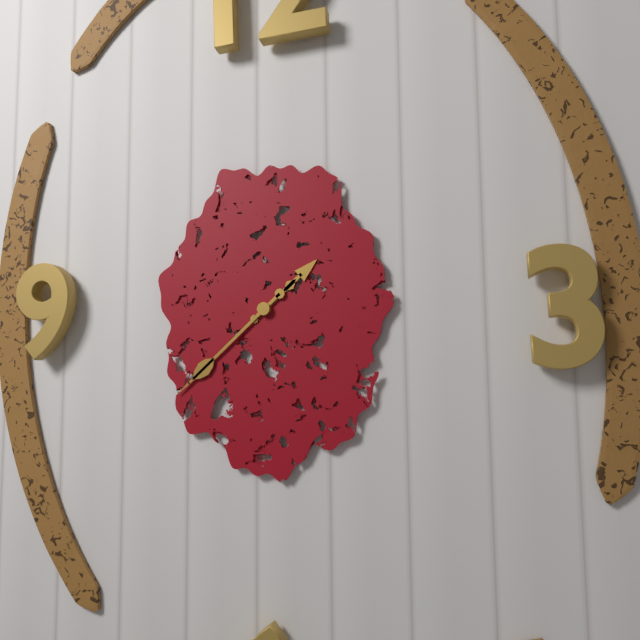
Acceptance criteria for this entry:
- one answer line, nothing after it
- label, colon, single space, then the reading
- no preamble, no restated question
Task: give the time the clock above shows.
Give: 1:38
